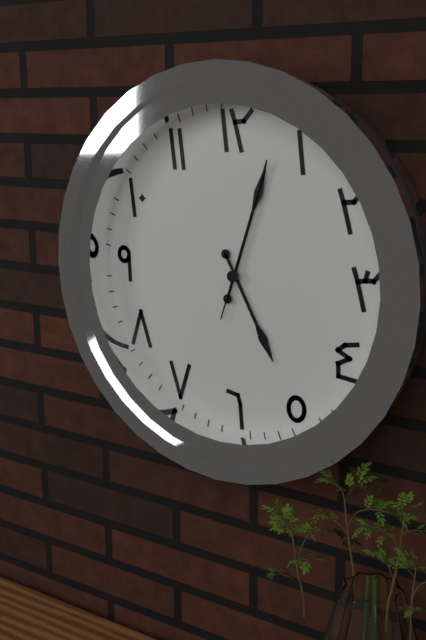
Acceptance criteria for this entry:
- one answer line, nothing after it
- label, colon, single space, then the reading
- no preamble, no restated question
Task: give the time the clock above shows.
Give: 5:03:03
